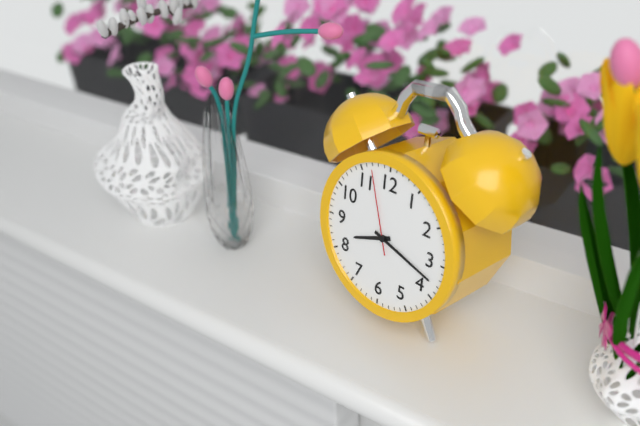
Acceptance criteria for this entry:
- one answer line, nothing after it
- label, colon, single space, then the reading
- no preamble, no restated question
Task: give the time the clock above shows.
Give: 8:18:57
